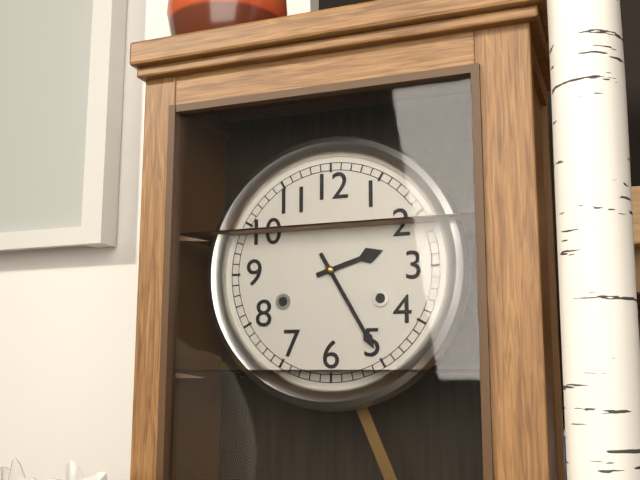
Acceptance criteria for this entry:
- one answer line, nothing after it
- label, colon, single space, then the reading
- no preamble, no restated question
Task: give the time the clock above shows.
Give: 2:25
